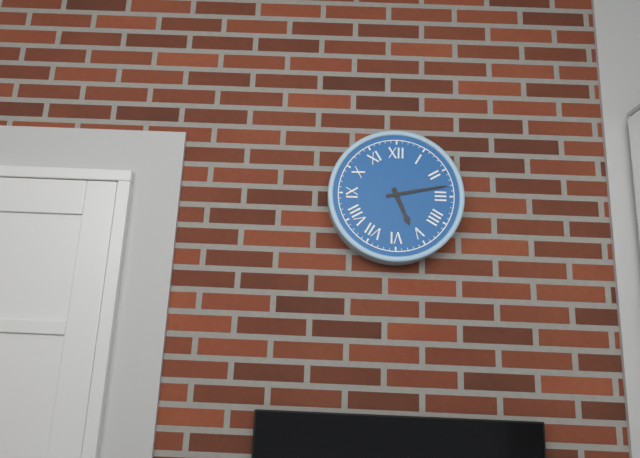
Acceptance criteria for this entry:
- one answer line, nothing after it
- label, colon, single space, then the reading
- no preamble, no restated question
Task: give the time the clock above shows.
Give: 5:13
